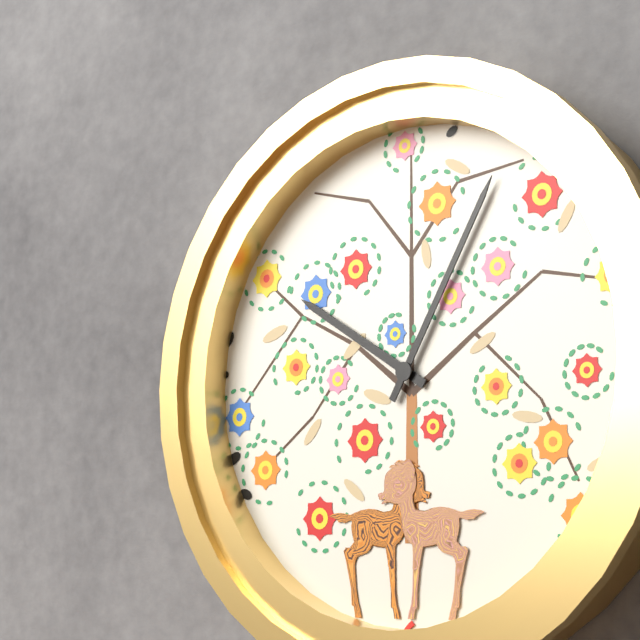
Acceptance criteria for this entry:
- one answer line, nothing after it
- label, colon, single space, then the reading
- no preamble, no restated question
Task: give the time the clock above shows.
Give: 10:05
